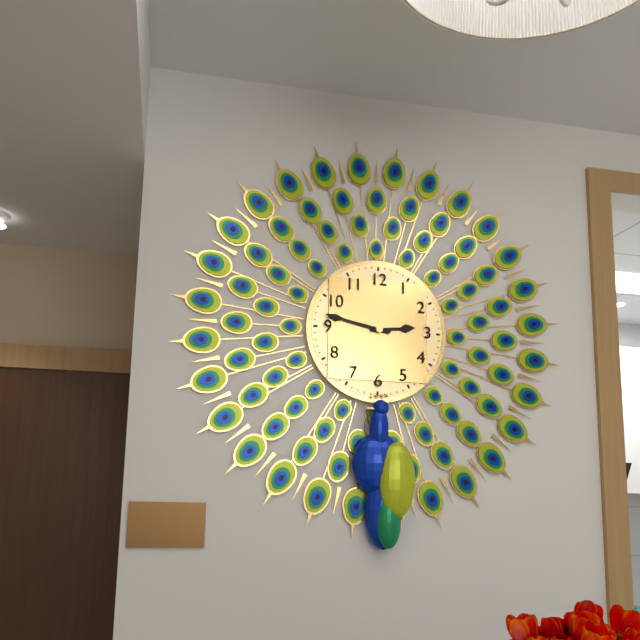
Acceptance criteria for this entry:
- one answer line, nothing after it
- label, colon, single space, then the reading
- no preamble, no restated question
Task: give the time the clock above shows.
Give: 2:47
